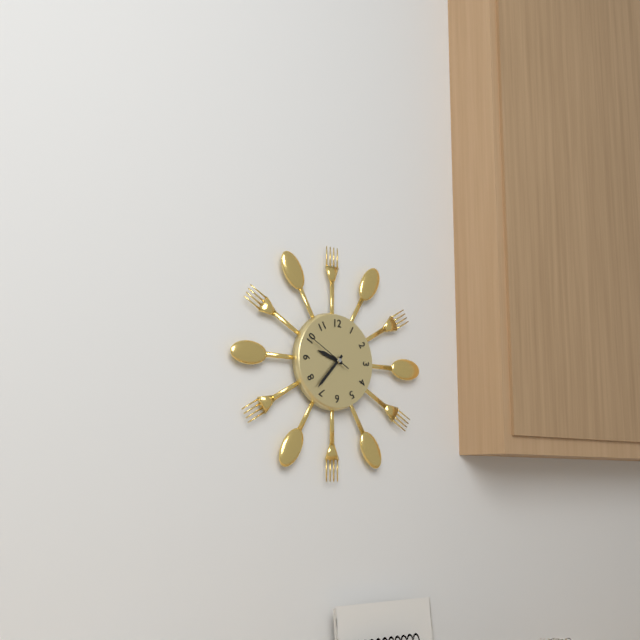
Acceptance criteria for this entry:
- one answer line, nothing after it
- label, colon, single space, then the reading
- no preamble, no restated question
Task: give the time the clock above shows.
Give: 9:37
